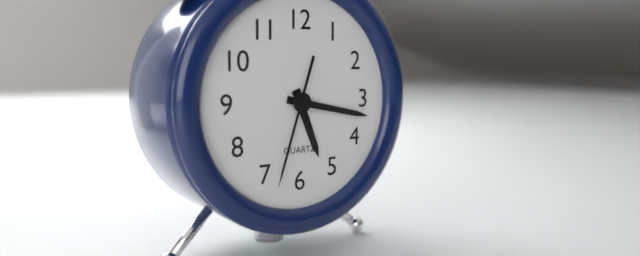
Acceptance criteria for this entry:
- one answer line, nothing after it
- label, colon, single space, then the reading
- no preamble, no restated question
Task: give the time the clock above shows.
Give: 5:17:33
